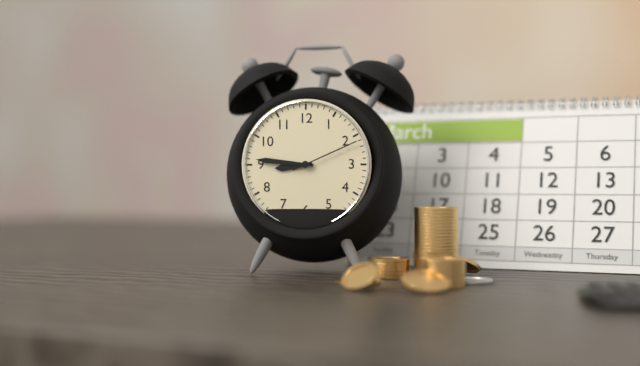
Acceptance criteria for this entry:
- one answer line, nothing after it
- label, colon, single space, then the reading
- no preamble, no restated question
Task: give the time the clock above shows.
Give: 8:46:11
